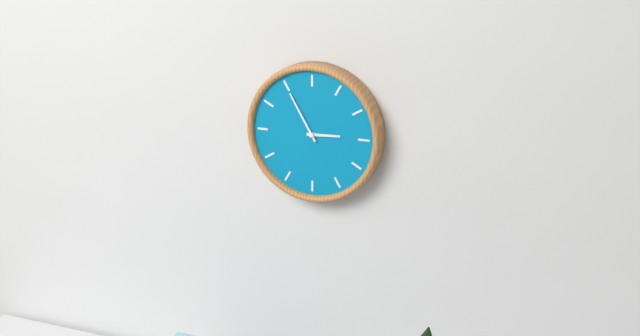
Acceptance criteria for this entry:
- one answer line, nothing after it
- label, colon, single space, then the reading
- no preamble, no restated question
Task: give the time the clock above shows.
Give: 2:55
